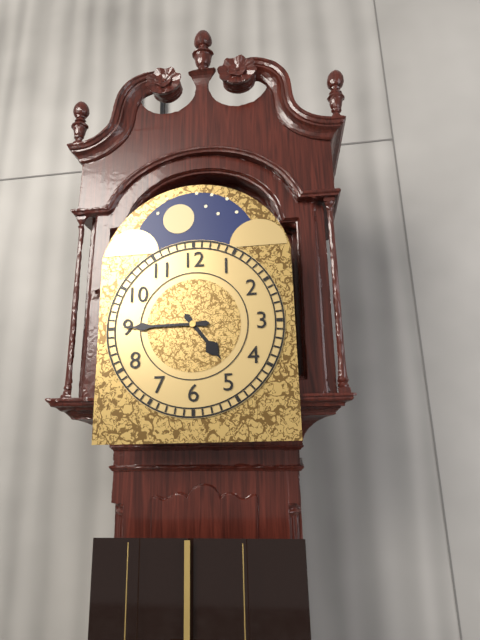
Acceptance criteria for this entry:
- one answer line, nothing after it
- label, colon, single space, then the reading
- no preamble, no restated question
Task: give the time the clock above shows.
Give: 4:45
